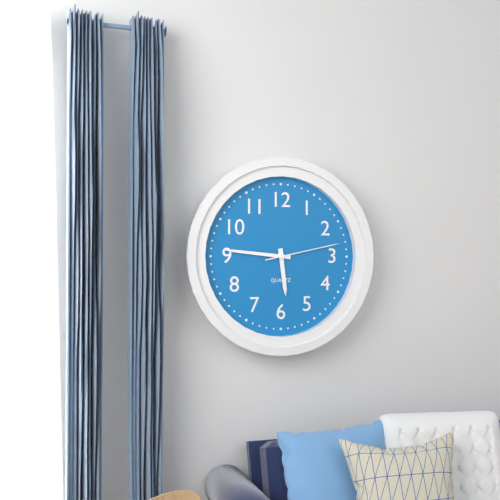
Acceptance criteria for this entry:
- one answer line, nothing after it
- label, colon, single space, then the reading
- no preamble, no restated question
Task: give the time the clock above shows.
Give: 5:46:13
